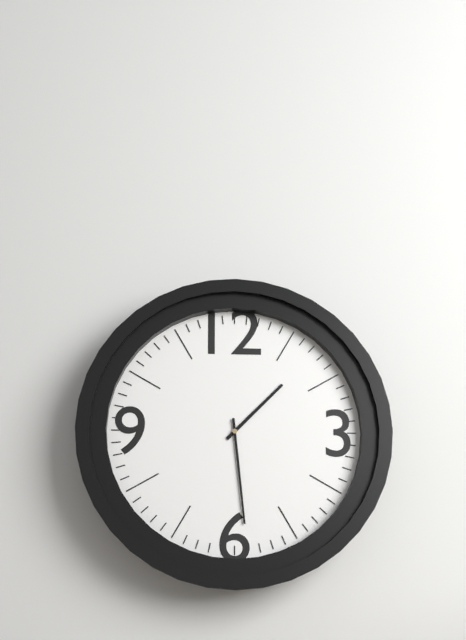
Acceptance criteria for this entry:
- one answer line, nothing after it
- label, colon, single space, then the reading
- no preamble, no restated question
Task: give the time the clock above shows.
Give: 1:29
